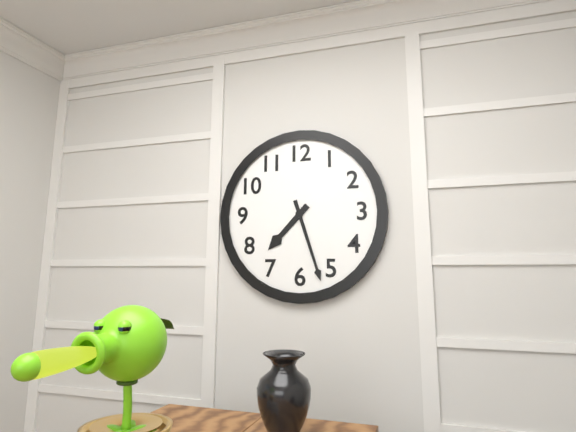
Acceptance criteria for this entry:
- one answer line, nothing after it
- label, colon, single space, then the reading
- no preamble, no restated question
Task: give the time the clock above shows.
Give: 7:27
